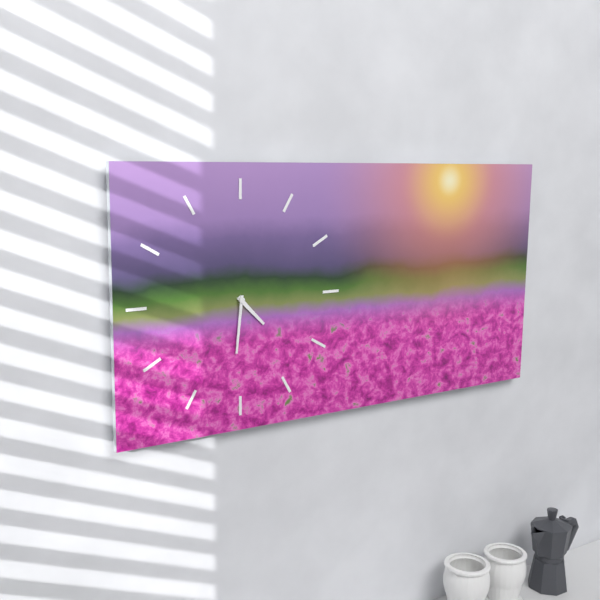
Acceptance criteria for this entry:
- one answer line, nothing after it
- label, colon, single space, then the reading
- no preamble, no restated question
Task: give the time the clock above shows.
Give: 4:31
